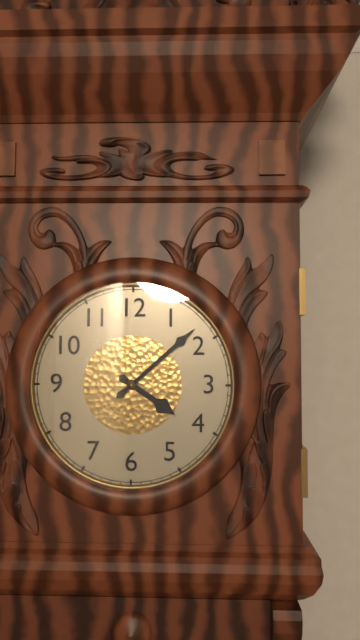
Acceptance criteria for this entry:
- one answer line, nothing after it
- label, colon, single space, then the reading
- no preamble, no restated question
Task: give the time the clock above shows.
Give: 4:08
